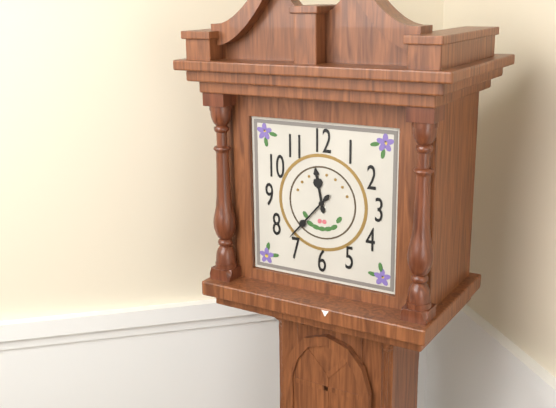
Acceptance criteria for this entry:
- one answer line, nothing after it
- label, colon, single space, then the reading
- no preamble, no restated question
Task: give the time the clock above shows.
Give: 11:37
